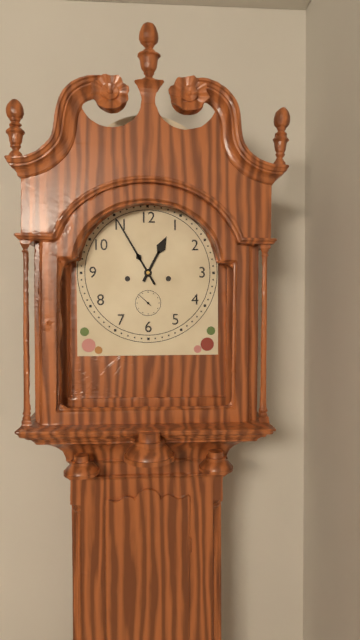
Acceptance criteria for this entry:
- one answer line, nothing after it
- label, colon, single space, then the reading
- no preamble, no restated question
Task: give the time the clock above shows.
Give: 12:55
